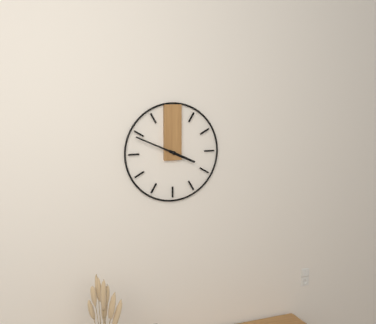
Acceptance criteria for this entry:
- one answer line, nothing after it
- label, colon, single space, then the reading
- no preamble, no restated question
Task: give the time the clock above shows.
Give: 3:49
